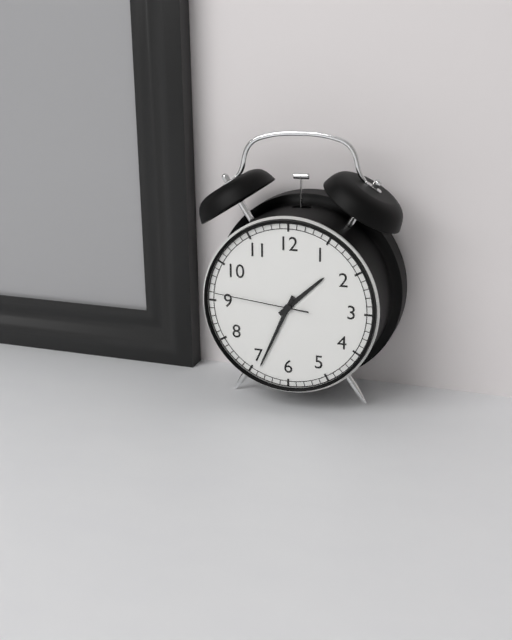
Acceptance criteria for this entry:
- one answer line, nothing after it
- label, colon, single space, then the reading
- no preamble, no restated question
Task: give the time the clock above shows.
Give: 1:34:46
